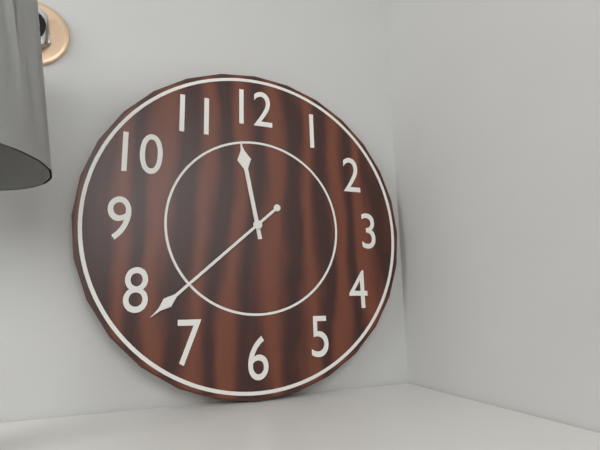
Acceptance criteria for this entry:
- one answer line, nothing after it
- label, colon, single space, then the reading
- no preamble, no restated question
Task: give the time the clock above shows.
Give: 11:38
